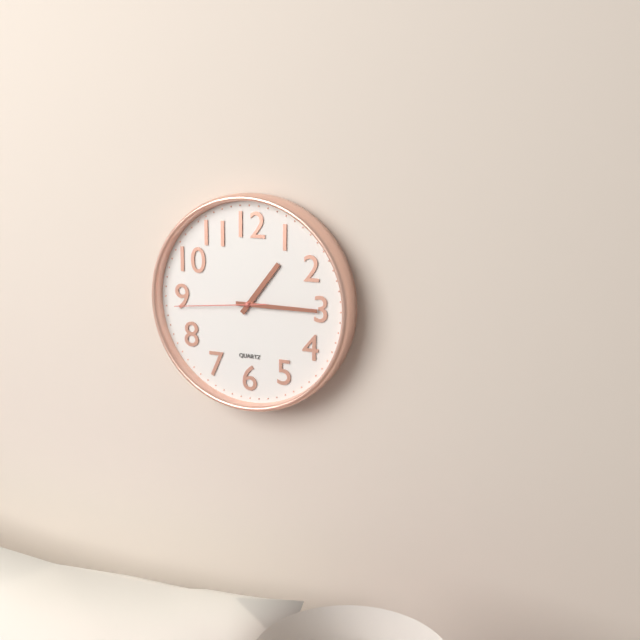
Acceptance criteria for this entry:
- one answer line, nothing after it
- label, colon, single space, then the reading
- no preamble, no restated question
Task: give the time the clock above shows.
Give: 1:15:44
